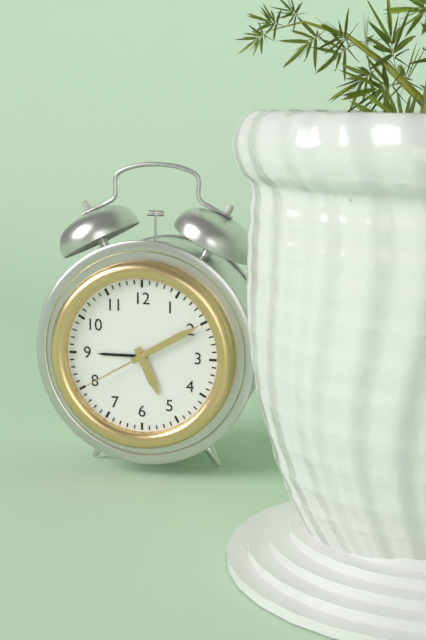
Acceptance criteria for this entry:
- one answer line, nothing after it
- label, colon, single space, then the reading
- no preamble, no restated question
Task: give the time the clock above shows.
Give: 5:10:40
